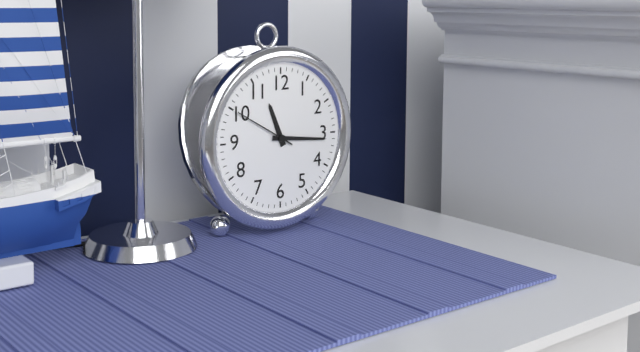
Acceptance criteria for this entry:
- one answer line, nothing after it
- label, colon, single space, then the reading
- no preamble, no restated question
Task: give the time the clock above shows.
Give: 11:16:50
